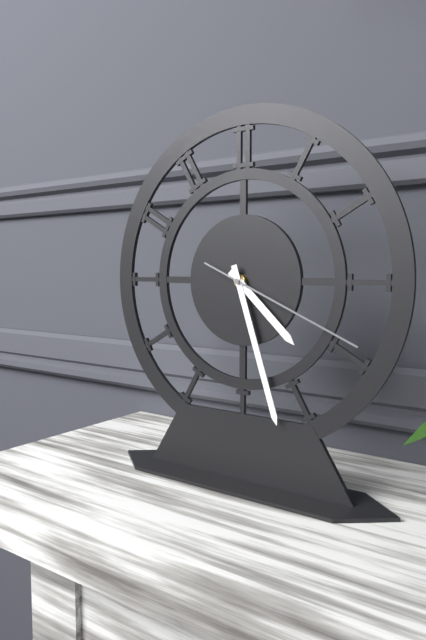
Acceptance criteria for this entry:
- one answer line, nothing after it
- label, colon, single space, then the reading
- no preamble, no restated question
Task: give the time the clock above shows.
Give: 4:27:19
